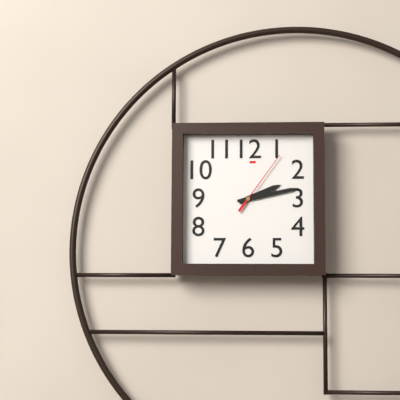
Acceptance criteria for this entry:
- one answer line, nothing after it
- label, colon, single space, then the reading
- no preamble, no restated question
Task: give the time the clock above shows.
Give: 2:13:06
